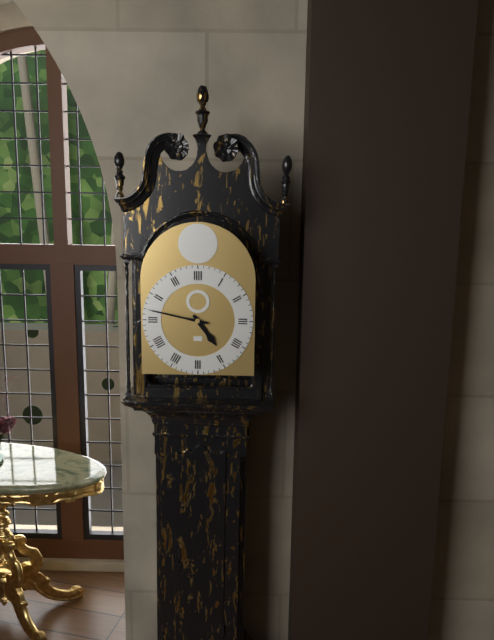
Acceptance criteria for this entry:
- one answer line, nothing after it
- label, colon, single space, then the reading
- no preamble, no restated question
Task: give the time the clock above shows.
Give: 4:47
